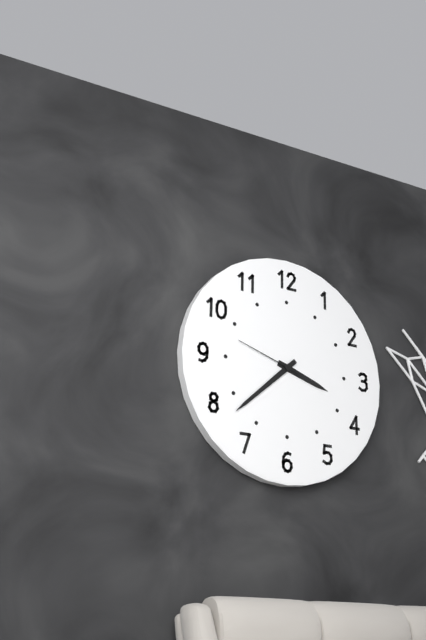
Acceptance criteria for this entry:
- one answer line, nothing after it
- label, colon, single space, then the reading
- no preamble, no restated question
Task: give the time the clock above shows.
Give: 3:38:48
